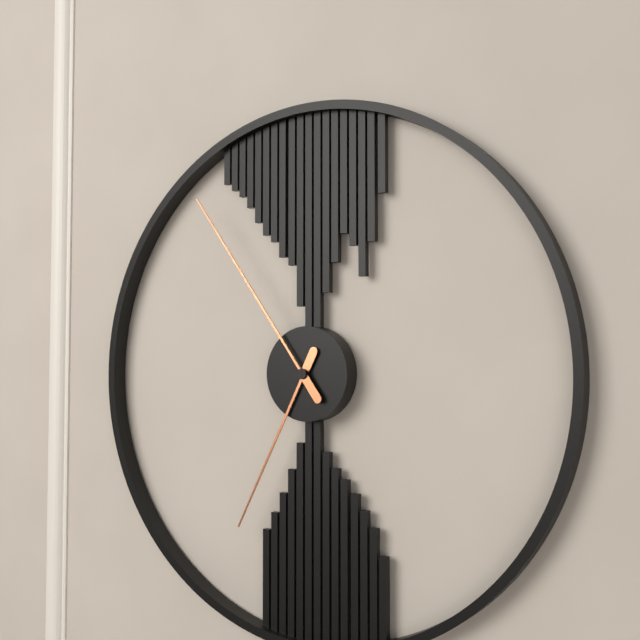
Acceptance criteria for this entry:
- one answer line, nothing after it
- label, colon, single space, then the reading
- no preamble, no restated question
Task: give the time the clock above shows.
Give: 6:54
